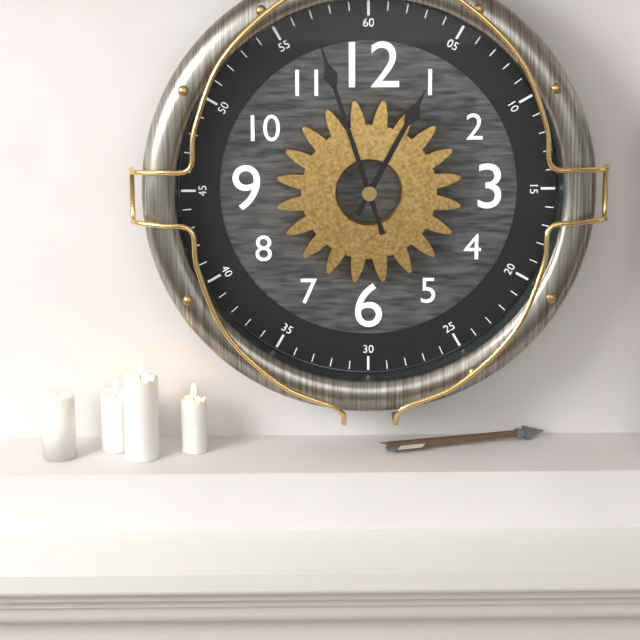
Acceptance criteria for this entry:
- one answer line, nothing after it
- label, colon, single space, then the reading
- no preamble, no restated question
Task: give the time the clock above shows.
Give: 12:57
